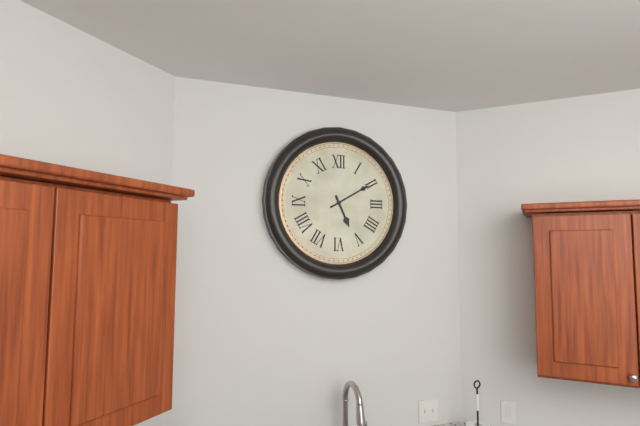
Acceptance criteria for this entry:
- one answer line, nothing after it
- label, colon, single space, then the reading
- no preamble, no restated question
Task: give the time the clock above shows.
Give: 5:10
